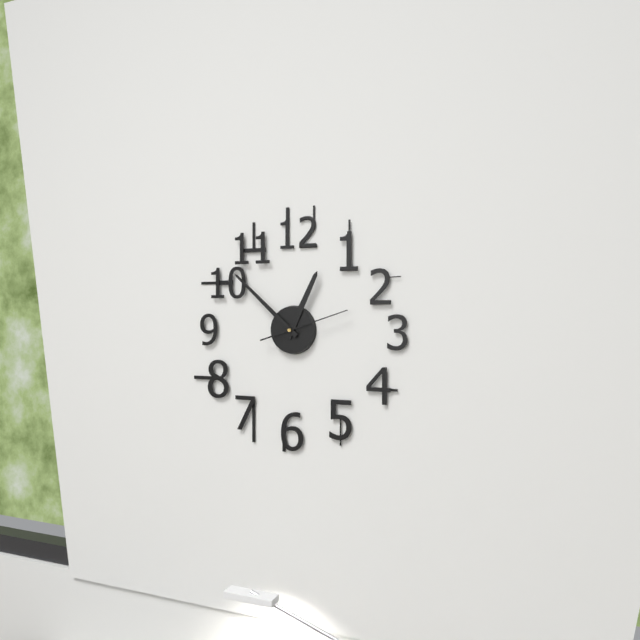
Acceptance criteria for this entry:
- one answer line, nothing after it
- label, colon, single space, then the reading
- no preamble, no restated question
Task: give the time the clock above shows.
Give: 12:52:12
